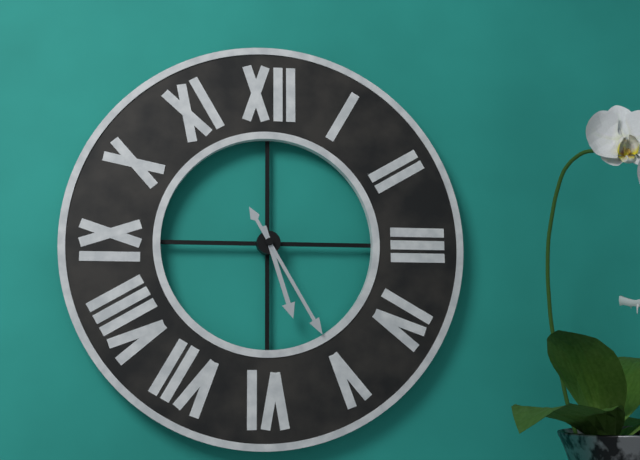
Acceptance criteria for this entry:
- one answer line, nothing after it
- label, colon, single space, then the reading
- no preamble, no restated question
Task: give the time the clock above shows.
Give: 5:25
